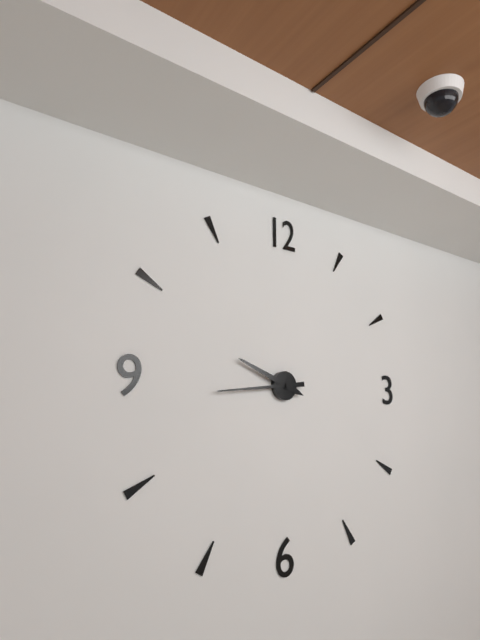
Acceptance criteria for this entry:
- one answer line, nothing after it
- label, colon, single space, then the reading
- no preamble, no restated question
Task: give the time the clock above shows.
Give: 9:44
